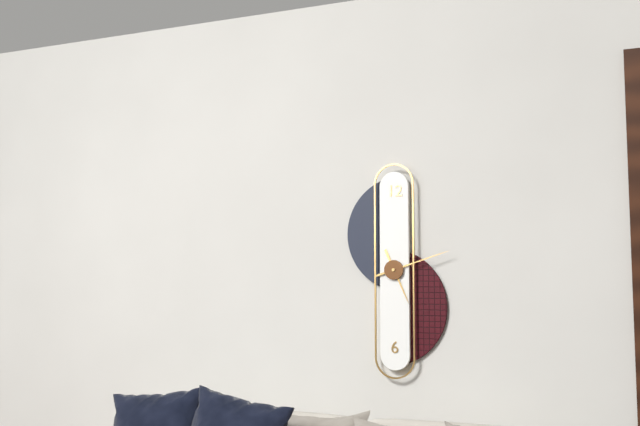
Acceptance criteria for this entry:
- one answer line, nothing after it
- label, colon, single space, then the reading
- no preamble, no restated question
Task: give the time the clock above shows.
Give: 5:12
